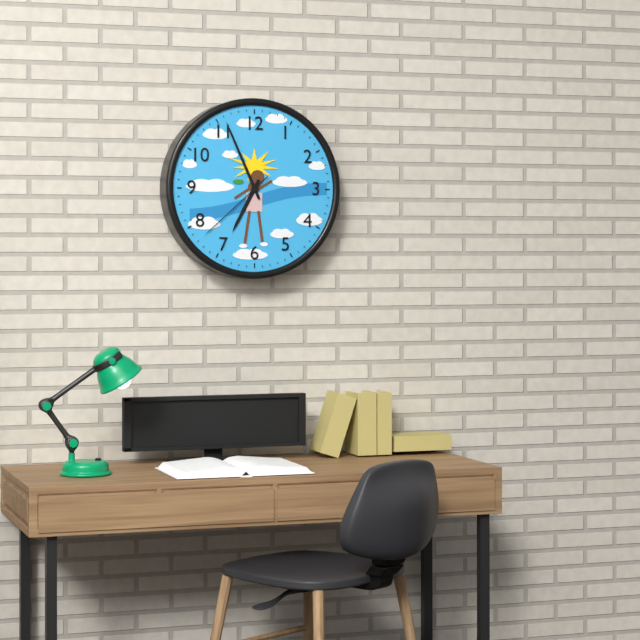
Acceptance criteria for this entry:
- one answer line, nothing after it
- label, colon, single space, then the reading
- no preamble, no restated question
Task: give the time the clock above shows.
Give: 6:56:38
